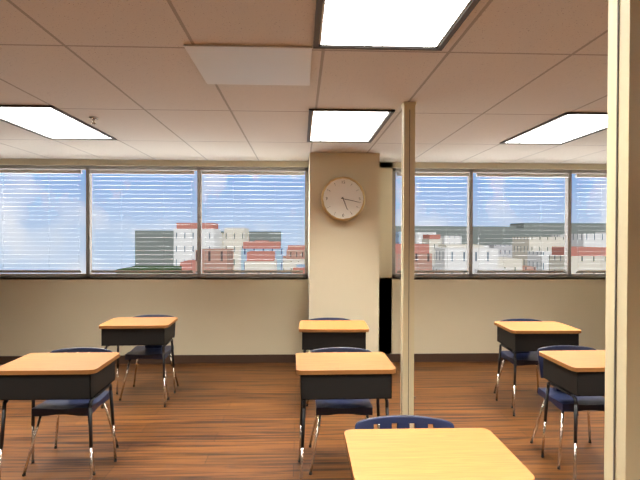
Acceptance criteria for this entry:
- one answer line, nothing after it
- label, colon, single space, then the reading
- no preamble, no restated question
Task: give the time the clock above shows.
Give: 5:17
